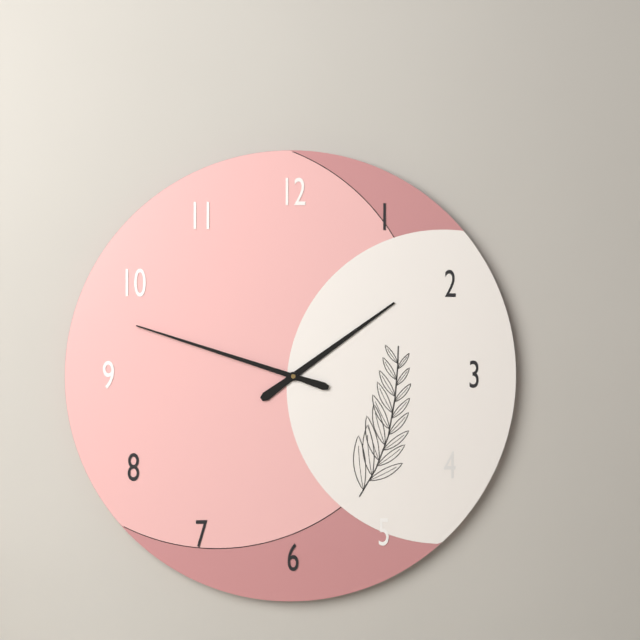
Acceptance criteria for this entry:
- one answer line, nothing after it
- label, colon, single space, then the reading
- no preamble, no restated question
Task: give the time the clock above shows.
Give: 1:48
